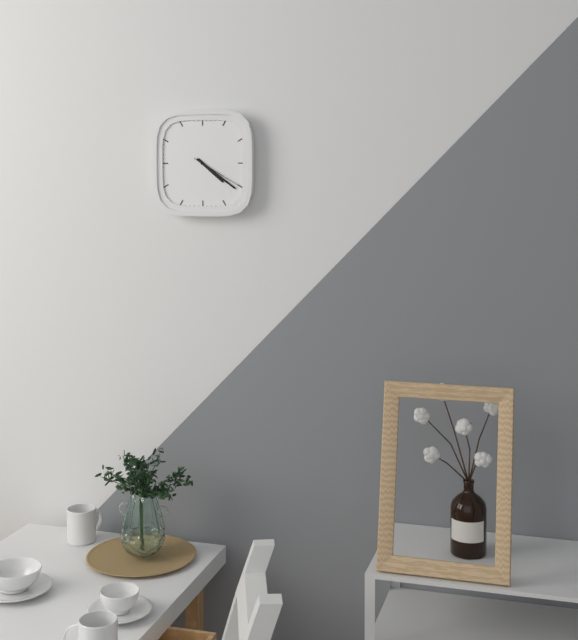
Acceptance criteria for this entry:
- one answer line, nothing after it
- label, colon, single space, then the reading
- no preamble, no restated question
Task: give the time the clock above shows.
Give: 4:21:20
